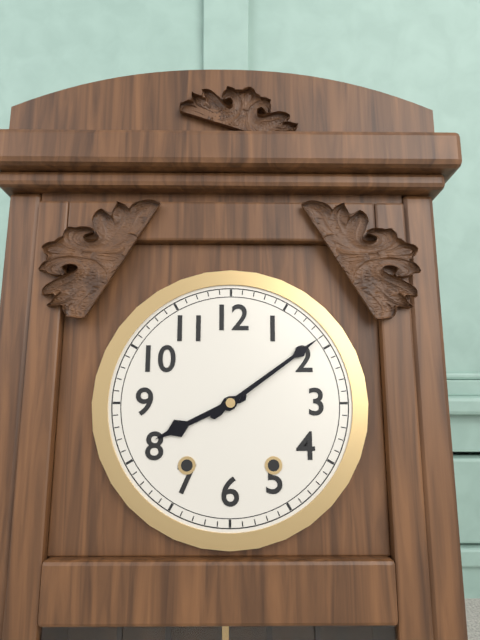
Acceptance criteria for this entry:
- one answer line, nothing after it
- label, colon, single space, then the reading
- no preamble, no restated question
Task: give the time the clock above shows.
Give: 8:09
